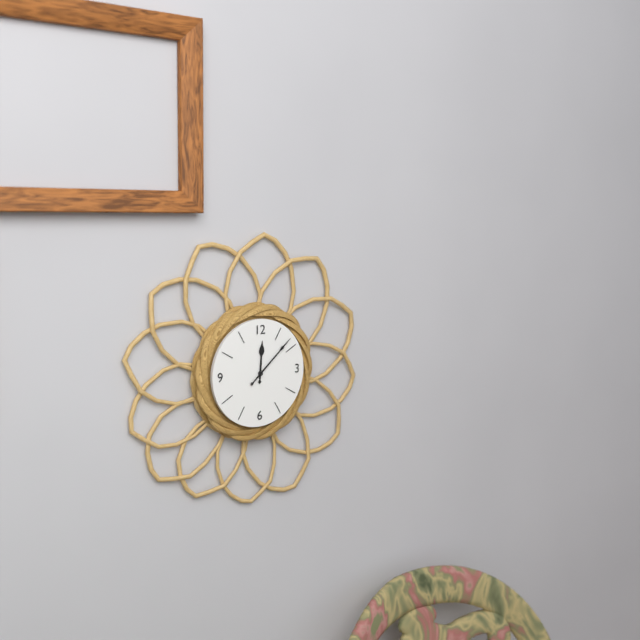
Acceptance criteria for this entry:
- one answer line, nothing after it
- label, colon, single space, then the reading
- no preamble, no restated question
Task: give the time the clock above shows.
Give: 12:08
